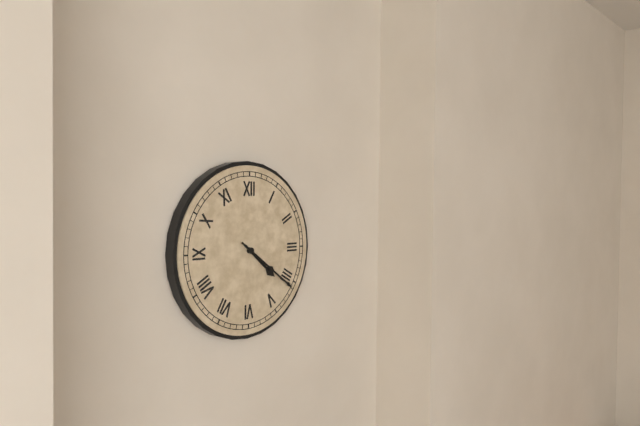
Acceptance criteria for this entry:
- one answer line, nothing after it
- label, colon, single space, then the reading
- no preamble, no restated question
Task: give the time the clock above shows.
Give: 4:21
